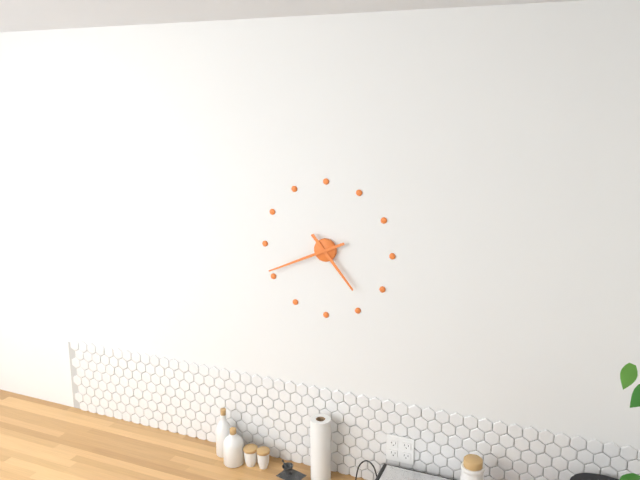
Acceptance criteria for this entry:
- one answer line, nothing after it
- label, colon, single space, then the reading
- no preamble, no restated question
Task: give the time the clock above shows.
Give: 4:41
